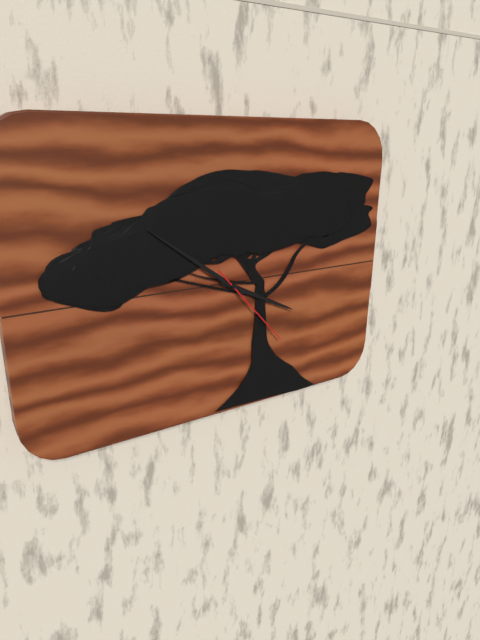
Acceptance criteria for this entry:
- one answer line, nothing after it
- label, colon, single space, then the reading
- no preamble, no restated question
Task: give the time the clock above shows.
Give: 3:51:23
